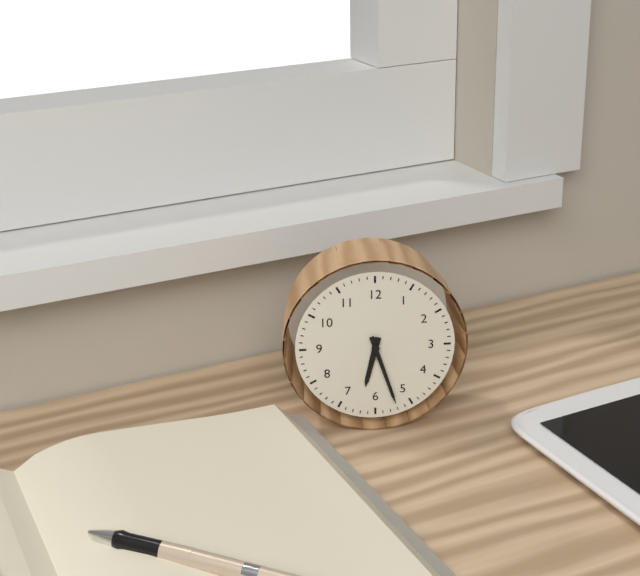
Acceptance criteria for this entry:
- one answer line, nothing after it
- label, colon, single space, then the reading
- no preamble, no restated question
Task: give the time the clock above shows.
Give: 6:27
